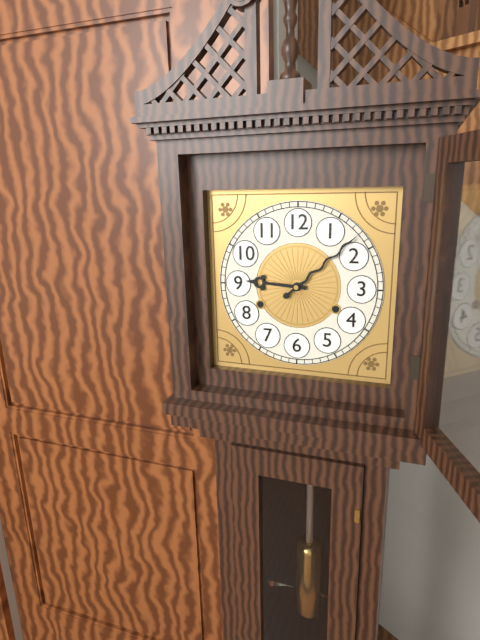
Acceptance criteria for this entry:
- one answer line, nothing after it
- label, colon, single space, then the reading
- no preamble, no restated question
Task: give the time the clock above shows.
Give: 9:08
